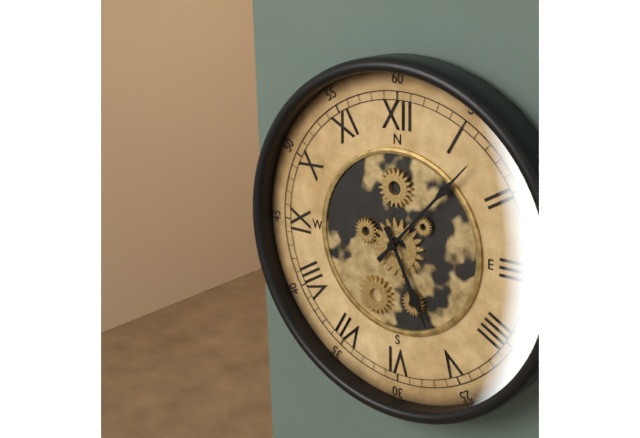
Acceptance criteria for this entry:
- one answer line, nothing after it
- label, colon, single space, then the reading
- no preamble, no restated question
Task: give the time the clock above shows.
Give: 5:07
